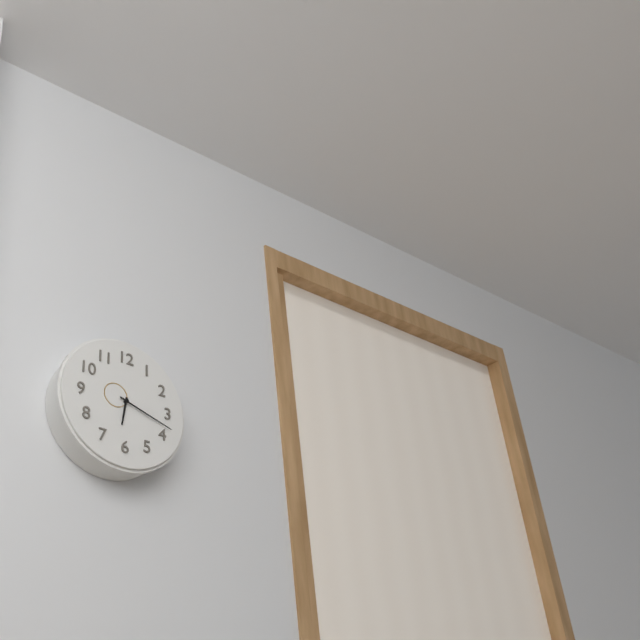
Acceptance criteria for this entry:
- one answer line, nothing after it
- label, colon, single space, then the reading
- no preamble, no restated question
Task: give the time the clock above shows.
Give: 6:18
